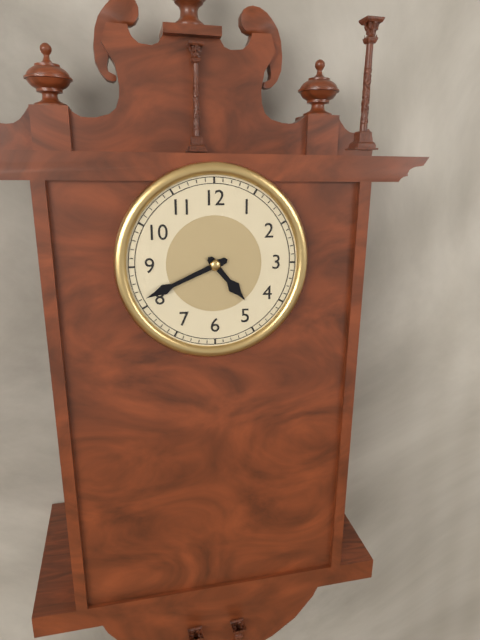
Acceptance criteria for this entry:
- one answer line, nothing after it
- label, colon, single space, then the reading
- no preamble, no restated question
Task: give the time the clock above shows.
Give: 4:41
